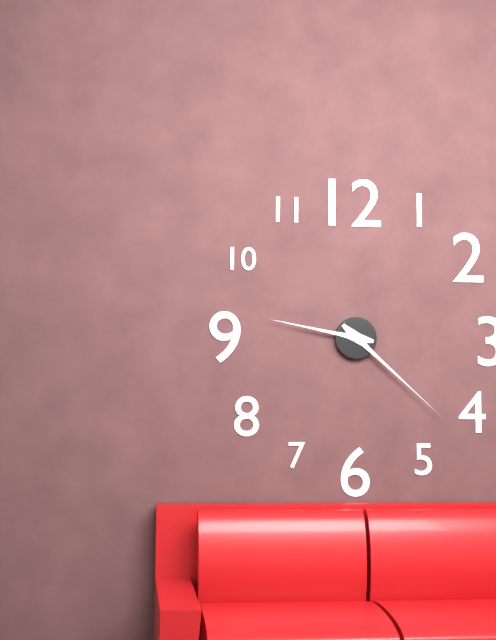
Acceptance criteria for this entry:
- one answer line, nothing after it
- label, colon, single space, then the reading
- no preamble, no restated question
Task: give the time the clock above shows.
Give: 9:22
